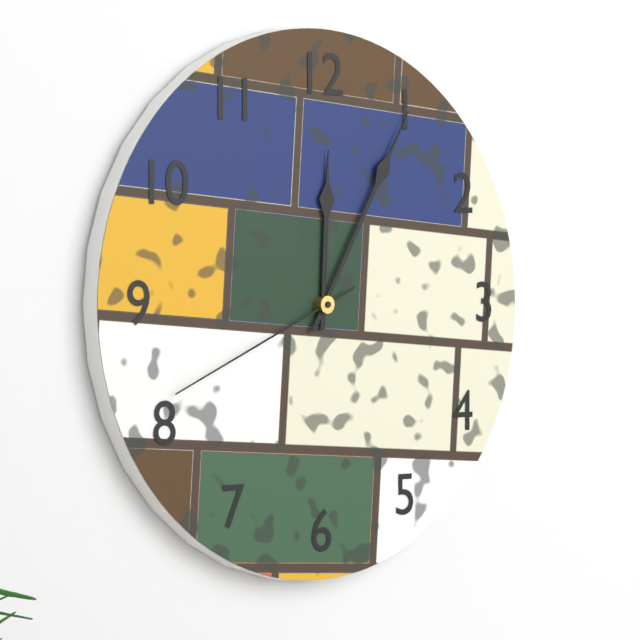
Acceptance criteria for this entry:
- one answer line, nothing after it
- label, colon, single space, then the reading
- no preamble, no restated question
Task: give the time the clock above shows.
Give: 12:05:41
